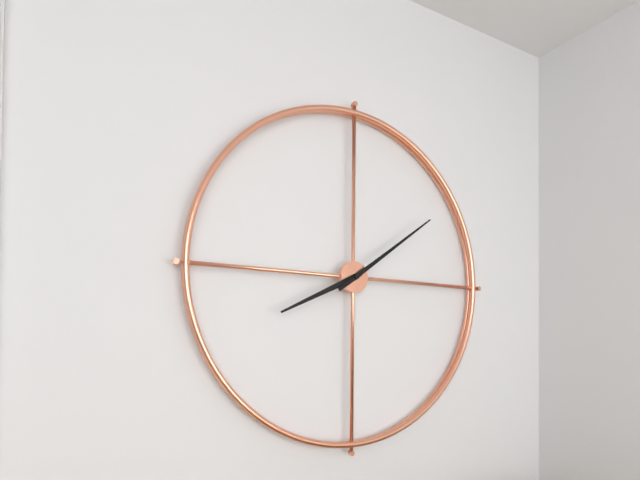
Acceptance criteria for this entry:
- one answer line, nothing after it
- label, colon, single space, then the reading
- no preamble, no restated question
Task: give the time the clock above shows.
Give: 8:09
